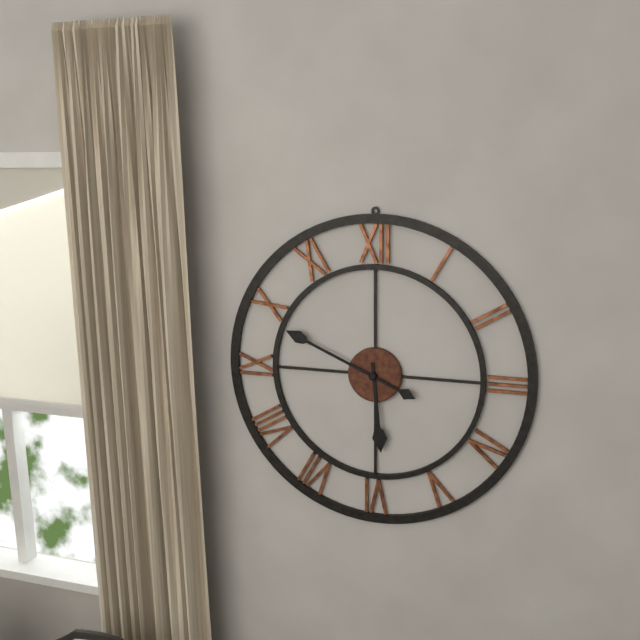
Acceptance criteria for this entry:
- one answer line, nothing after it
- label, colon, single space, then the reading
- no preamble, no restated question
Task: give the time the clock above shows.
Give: 5:49
